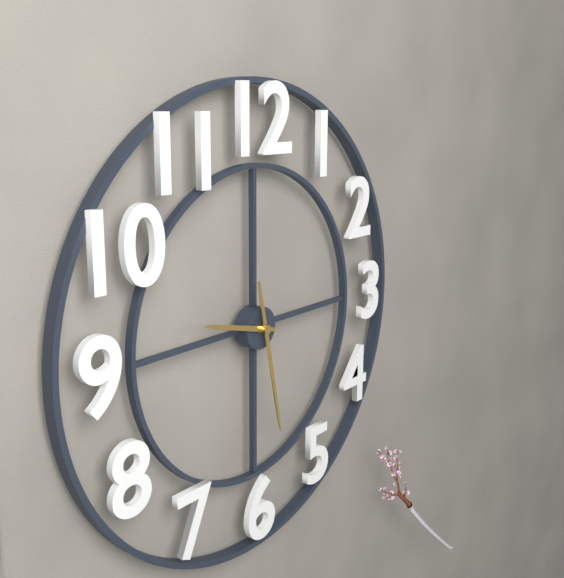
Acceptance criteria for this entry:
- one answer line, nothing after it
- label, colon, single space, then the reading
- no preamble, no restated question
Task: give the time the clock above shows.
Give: 9:28
